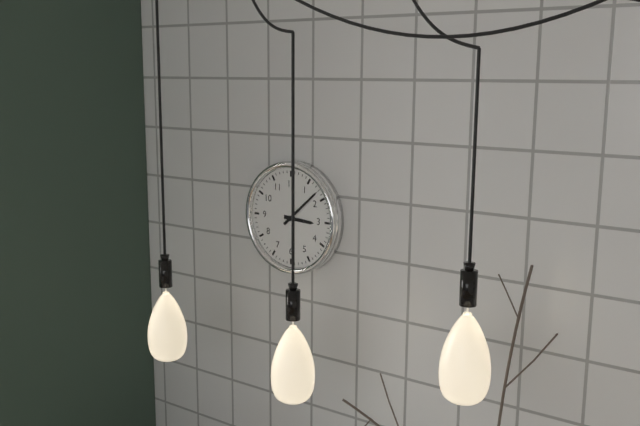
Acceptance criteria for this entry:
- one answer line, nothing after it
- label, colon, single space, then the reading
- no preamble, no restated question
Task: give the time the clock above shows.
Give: 3:08
